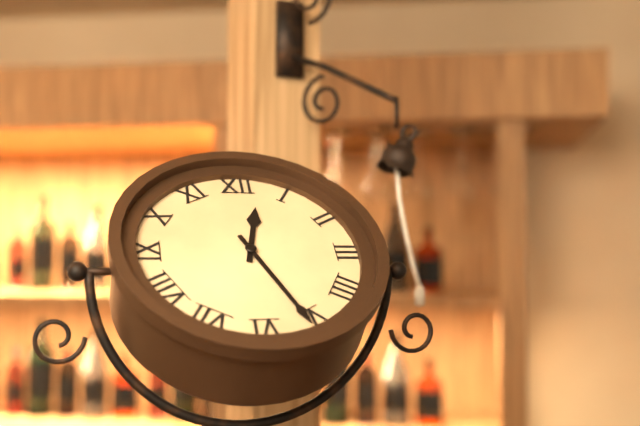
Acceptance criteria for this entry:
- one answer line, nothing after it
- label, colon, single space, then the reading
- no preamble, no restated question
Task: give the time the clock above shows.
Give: 12:26
